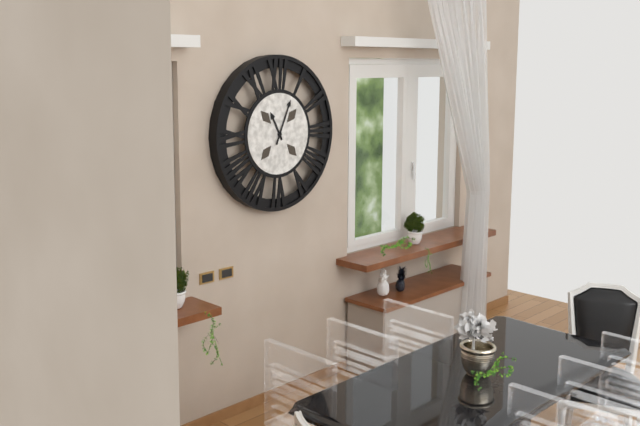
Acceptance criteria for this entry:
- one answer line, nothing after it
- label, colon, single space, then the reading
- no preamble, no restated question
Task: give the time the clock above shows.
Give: 11:04
